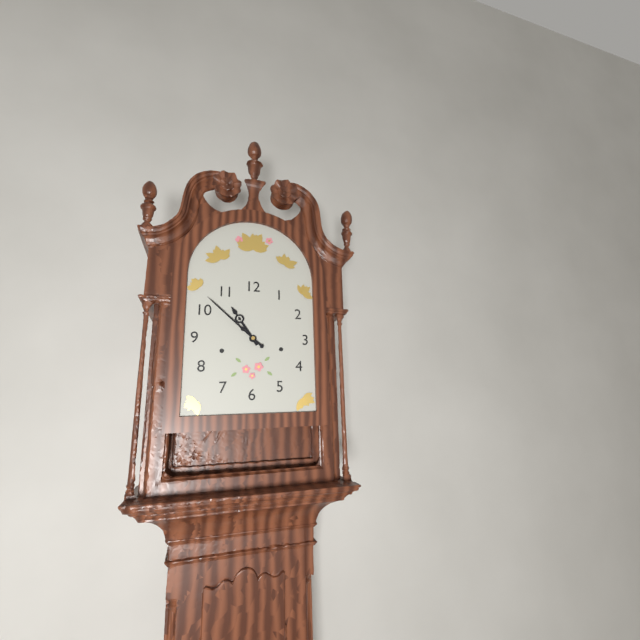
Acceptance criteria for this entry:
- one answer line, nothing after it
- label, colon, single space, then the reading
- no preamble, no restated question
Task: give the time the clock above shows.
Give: 10:52
